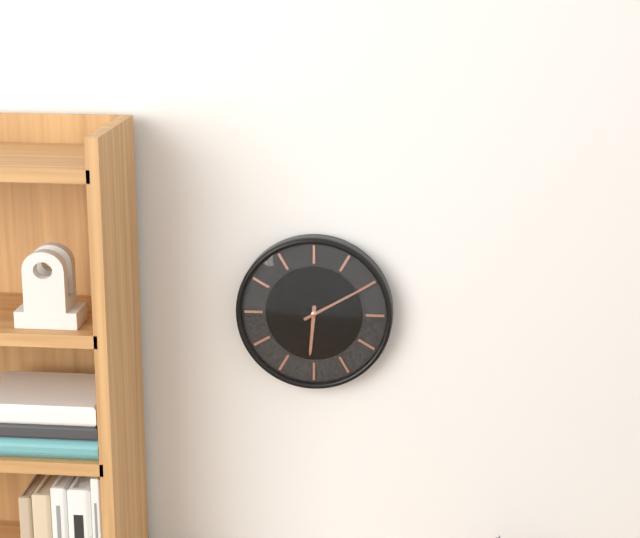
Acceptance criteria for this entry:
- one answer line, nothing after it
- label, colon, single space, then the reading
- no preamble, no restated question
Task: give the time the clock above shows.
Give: 6:10
